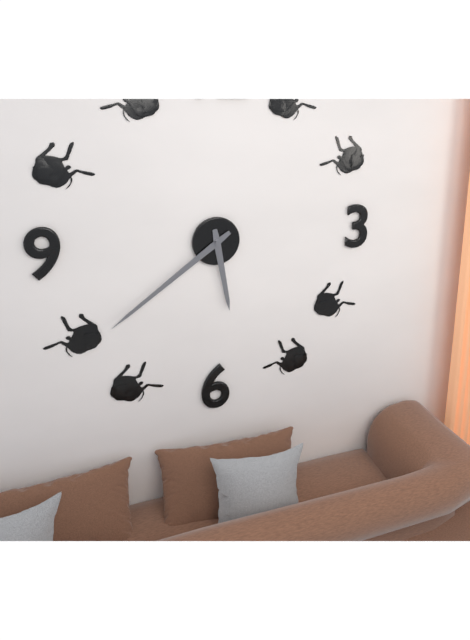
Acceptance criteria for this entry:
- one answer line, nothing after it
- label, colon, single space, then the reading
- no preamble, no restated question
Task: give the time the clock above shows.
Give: 5:39
